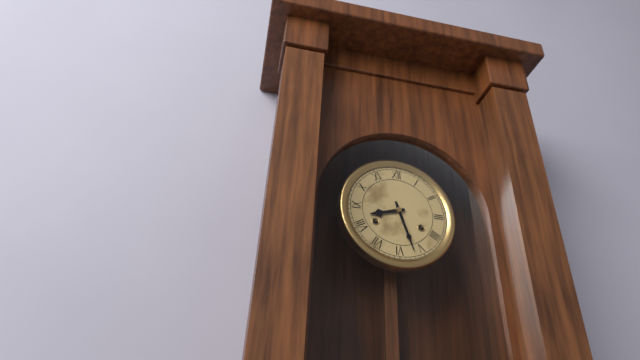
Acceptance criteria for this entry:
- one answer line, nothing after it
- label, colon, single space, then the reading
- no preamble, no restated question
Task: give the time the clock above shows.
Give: 8:27
